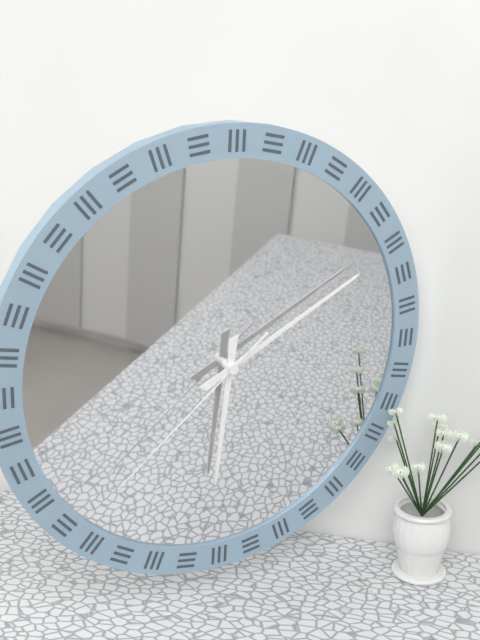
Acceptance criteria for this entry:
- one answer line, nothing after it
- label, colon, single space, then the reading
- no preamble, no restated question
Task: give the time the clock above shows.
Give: 6:10:38
